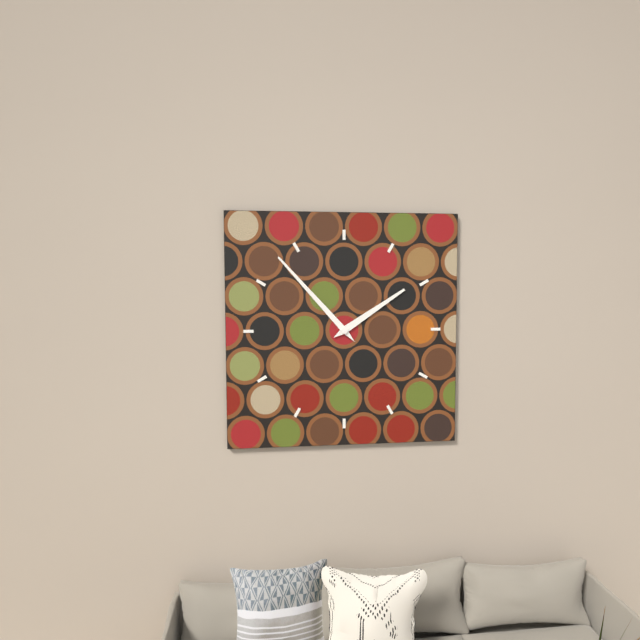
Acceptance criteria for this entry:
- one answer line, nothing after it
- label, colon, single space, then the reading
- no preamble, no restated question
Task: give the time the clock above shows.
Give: 1:53
